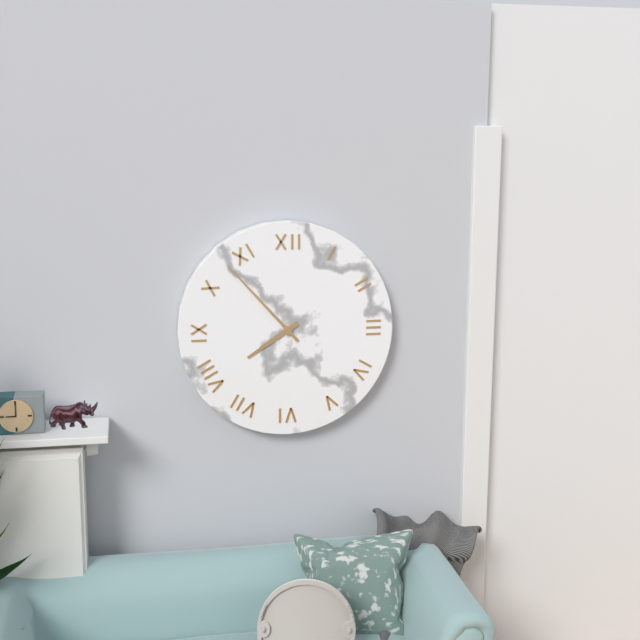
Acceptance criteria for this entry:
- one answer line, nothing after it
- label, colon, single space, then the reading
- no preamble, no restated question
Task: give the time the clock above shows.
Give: 7:53
